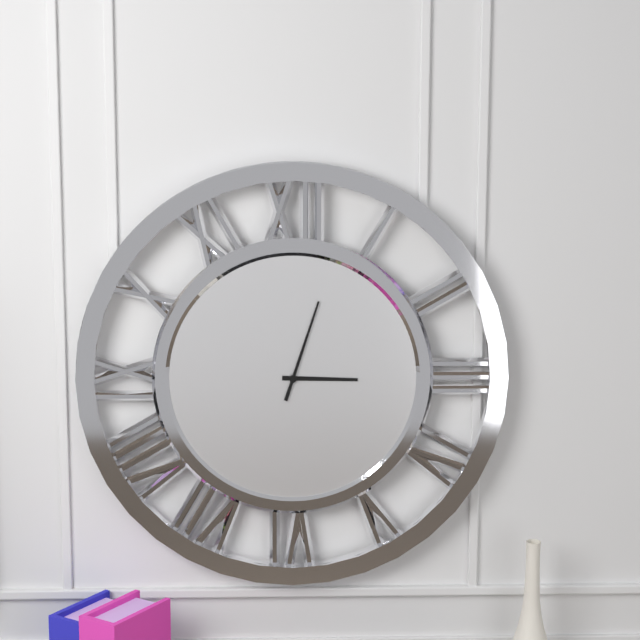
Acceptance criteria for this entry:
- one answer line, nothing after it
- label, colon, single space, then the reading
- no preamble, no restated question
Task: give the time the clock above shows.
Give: 3:03
